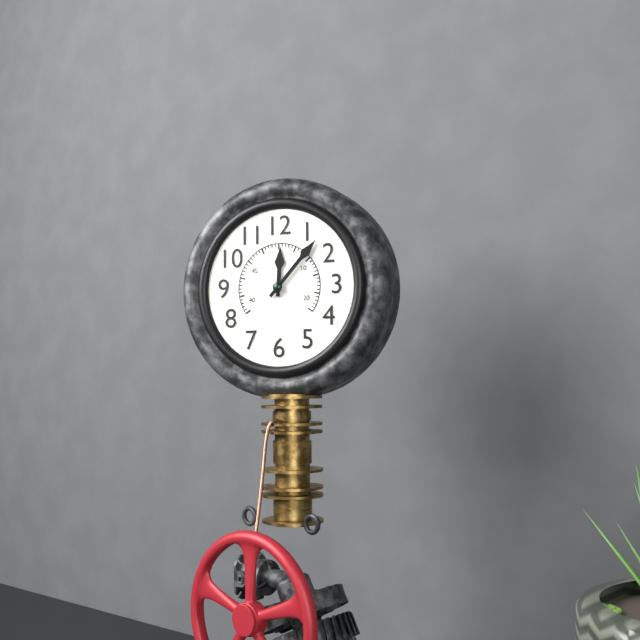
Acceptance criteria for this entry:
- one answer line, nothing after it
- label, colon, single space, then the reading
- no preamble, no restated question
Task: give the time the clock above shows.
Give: 12:07
